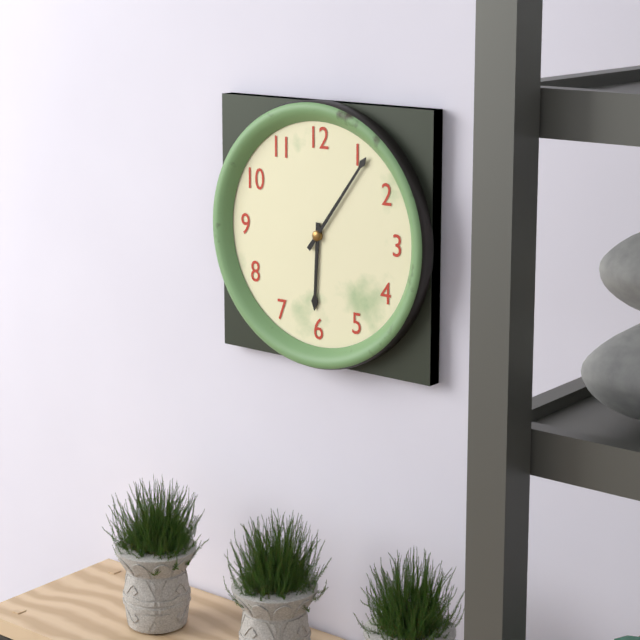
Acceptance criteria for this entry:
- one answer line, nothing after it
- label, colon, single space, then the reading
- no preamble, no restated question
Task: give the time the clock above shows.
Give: 6:06
